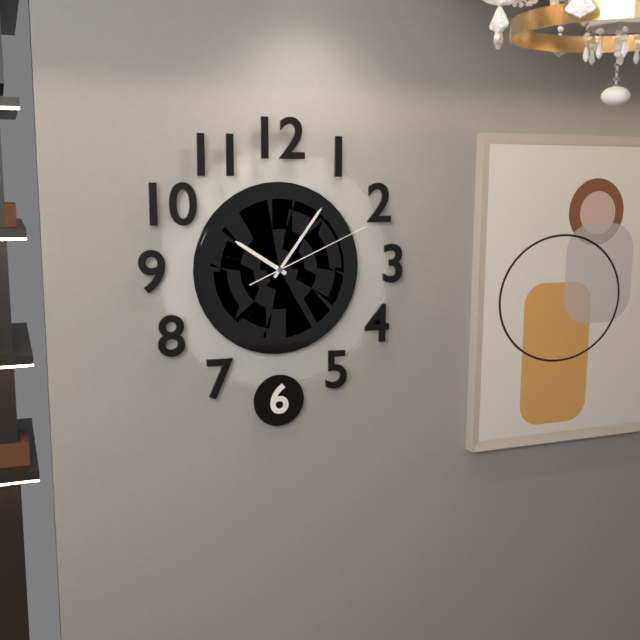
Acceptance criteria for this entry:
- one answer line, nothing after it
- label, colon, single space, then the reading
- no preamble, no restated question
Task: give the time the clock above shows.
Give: 10:06:11
